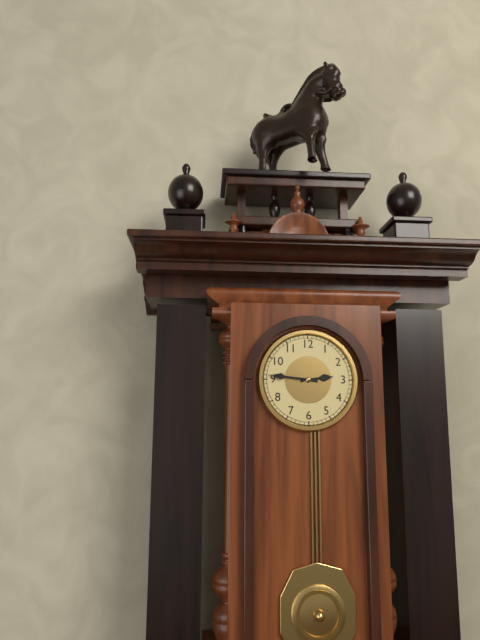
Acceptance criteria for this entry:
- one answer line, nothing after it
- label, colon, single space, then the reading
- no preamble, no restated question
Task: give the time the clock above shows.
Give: 2:46
